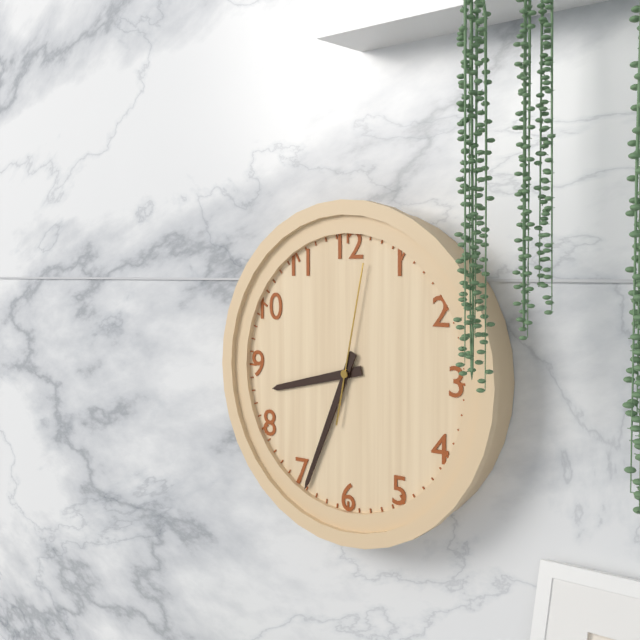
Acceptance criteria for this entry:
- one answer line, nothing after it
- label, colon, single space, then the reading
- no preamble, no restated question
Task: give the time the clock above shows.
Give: 8:34:02
